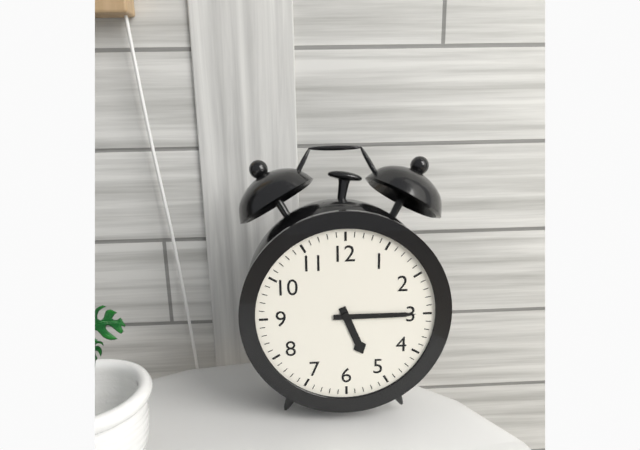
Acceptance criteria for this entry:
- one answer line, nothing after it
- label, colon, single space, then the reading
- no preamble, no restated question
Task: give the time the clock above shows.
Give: 5:15
